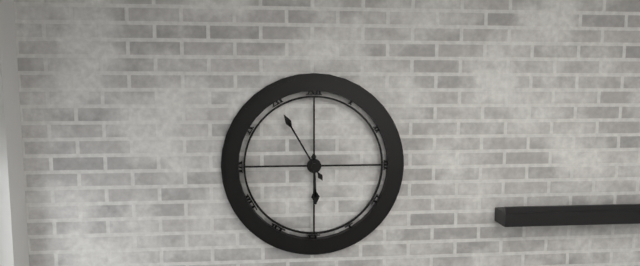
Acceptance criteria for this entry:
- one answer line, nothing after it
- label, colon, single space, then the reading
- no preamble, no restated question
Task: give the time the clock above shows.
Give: 5:55
